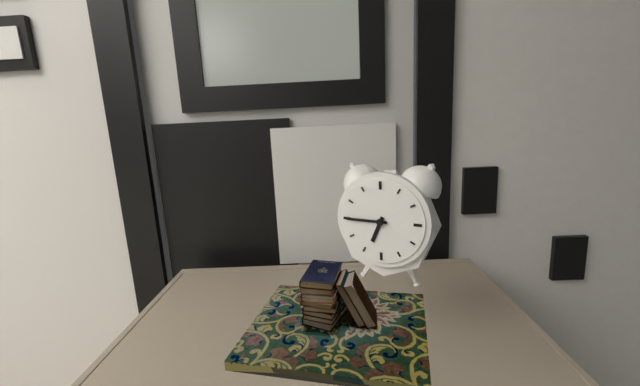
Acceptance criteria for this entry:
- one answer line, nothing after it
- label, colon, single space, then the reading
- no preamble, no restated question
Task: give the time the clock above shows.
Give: 6:45
